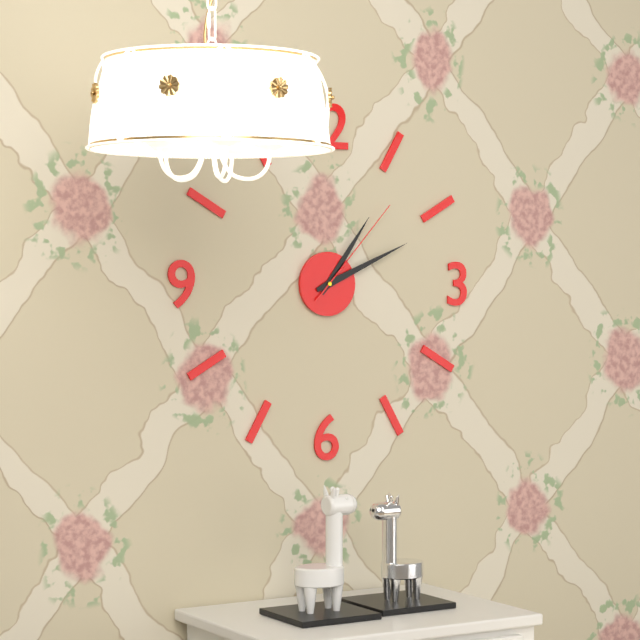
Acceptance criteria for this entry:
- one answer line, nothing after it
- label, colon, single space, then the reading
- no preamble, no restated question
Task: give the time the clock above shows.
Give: 1:11:07
